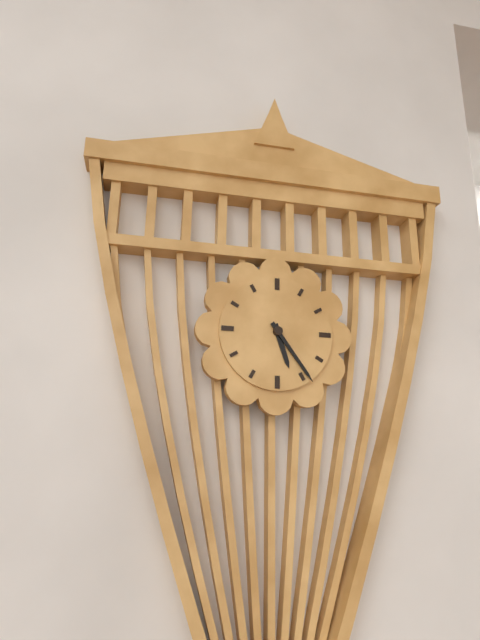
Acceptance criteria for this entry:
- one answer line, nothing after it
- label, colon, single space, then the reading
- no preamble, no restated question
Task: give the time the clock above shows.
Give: 5:24
